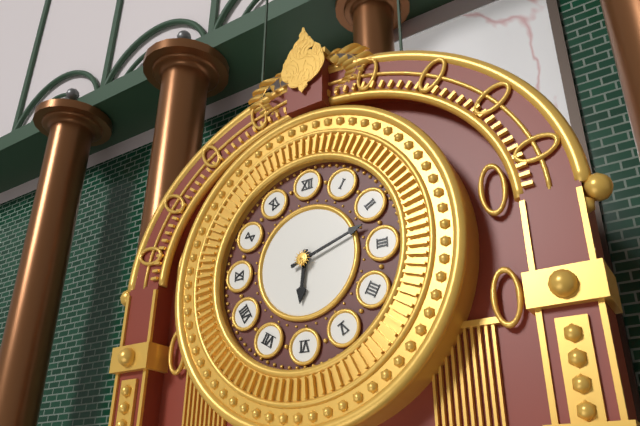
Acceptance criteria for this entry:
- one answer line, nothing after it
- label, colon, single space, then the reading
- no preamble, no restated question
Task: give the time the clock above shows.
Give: 6:12
